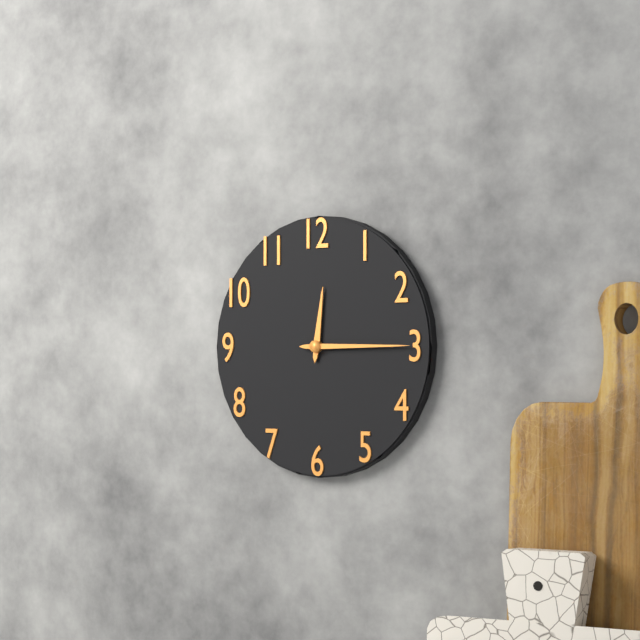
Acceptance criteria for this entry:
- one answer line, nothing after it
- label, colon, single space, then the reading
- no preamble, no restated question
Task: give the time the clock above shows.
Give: 12:15
